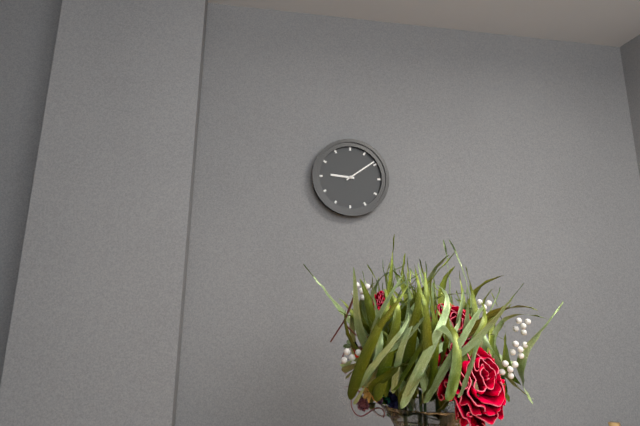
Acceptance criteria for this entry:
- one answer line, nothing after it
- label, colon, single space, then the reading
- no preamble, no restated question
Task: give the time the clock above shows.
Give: 9:09
